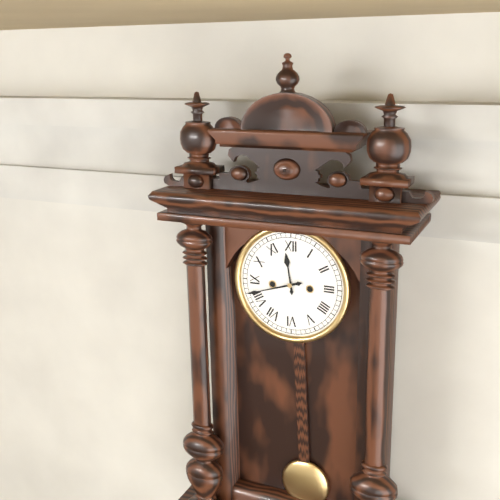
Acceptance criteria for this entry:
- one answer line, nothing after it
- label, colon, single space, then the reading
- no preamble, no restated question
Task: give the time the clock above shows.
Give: 11:42
